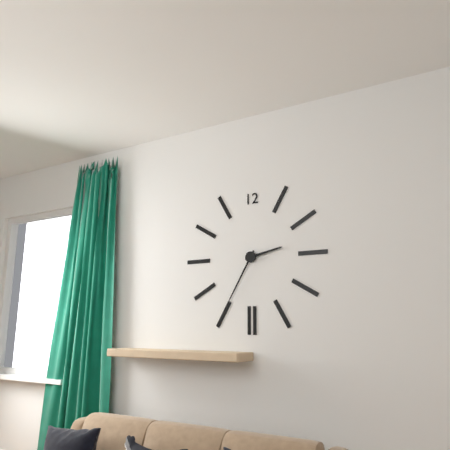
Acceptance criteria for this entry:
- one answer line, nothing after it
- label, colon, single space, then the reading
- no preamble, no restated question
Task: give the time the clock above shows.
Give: 2:35
